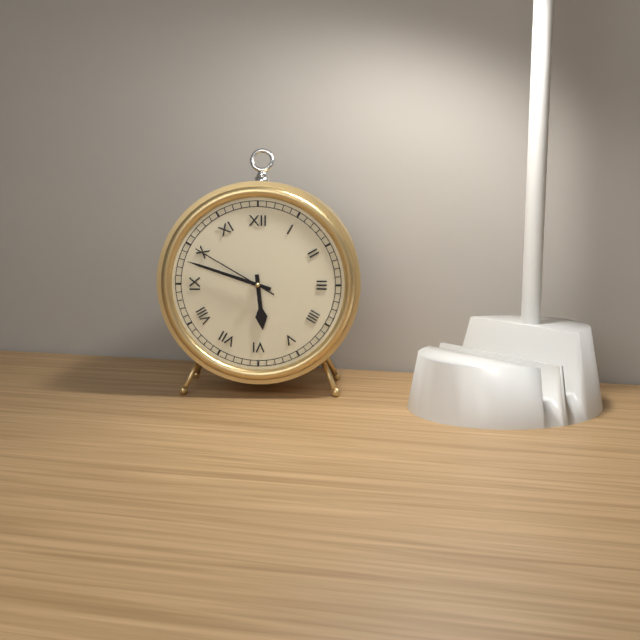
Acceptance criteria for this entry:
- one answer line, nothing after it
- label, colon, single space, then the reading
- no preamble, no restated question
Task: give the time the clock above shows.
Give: 5:48:50
